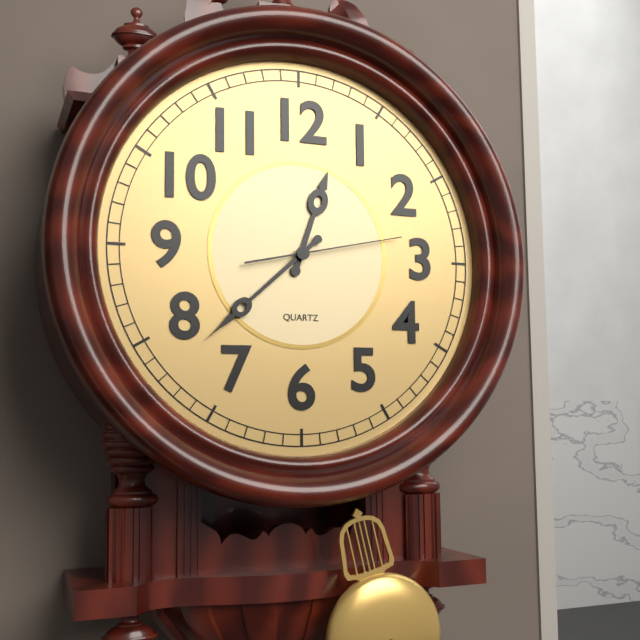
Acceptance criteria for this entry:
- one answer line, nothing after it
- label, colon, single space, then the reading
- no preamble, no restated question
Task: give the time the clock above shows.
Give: 12:38:13
